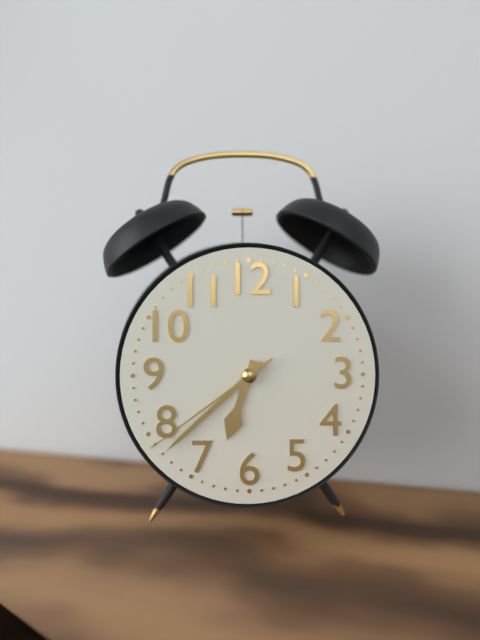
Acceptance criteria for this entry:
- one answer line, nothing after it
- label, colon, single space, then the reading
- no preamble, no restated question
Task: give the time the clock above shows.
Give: 6:38:39
